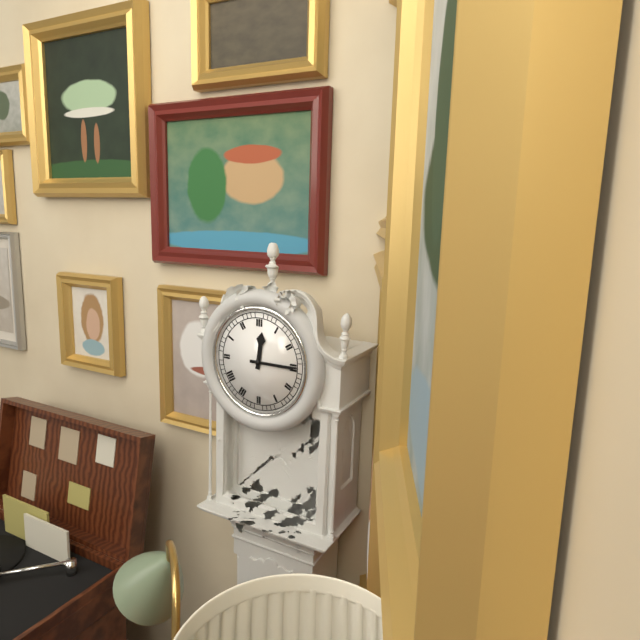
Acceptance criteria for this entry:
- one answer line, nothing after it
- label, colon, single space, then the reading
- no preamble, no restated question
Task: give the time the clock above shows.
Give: 12:15
